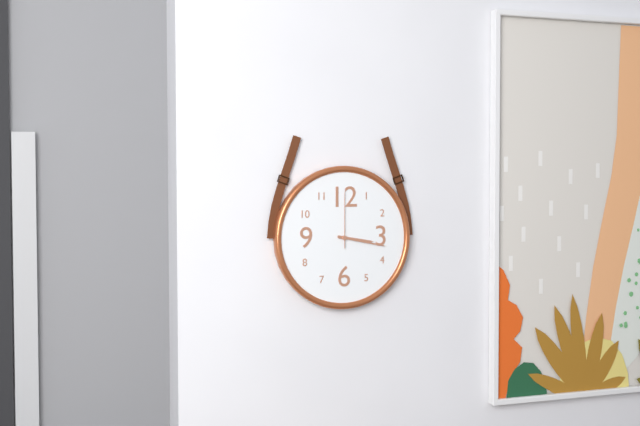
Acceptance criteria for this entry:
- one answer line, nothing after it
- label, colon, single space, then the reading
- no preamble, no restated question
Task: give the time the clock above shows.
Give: 3:17:00
